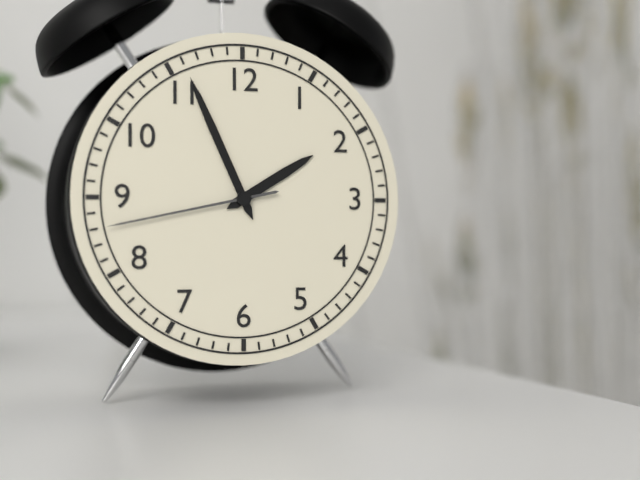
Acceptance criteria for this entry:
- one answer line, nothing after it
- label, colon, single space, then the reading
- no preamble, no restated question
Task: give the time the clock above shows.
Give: 1:56:43
